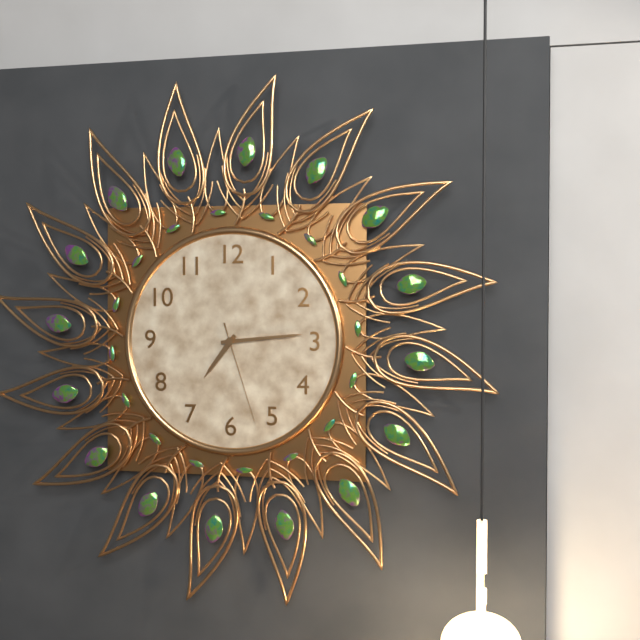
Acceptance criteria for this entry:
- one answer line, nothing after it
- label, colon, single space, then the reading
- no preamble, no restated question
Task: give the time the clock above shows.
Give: 7:14:27
